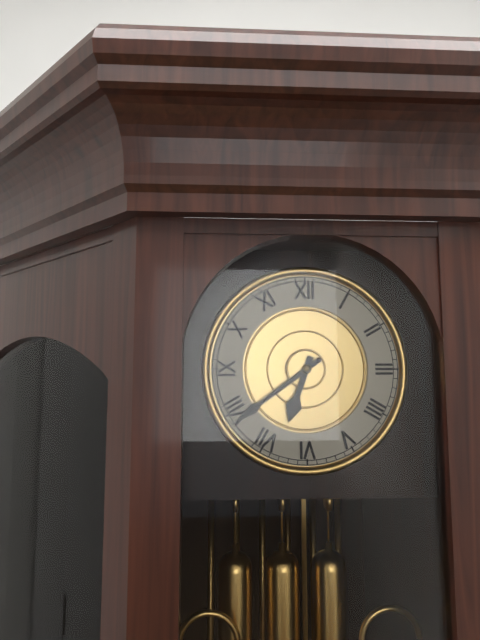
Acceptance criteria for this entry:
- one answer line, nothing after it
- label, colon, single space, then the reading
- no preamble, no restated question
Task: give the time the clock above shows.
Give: 6:39
